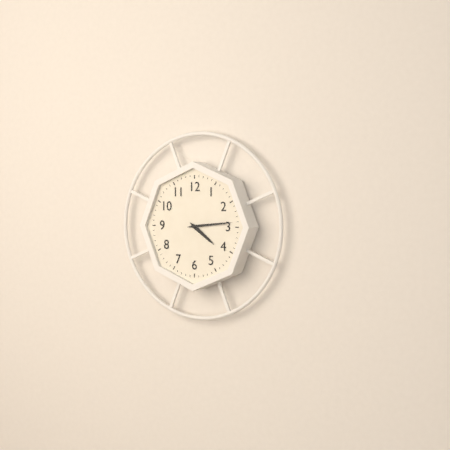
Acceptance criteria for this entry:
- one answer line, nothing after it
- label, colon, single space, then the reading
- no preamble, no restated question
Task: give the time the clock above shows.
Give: 4:14
